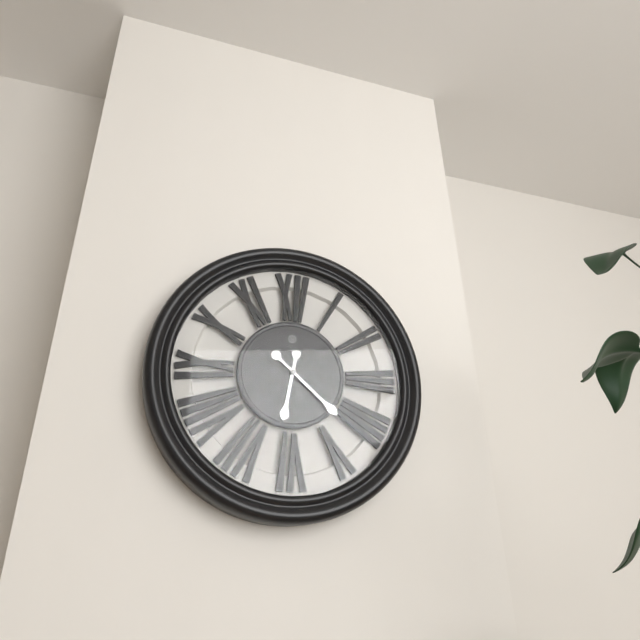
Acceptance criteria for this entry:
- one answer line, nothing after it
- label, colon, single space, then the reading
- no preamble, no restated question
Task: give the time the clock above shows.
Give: 6:22
